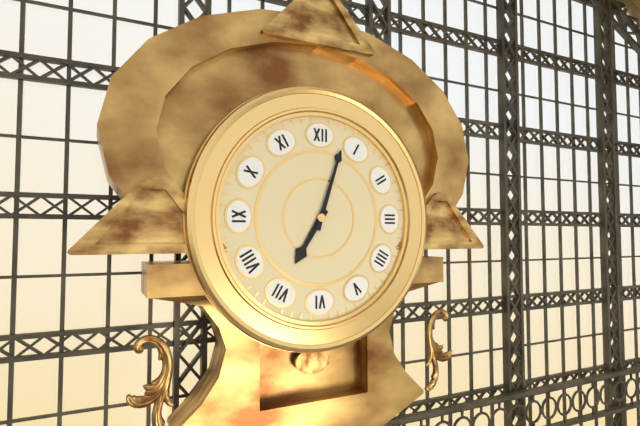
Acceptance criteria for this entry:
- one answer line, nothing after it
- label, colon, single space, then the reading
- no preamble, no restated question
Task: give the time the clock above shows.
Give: 7:03
